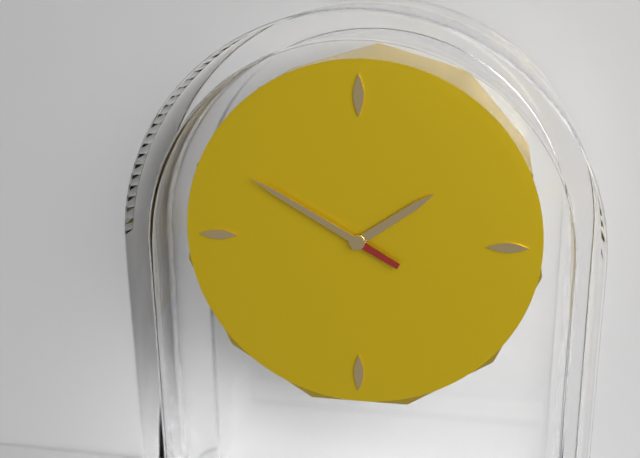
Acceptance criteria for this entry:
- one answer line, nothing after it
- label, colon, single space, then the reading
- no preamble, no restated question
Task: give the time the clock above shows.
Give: 1:50
